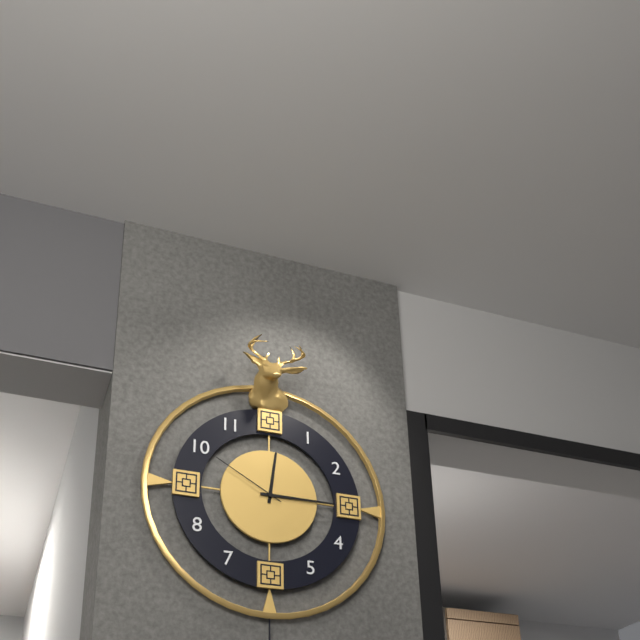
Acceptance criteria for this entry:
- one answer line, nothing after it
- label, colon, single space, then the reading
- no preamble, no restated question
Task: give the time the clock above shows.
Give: 12:15:50
